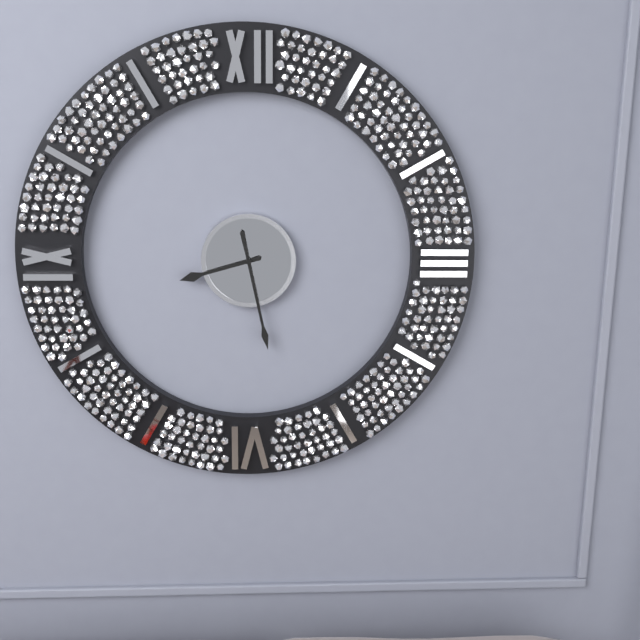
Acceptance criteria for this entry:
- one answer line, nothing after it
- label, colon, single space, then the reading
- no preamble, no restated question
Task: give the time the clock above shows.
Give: 8:28
